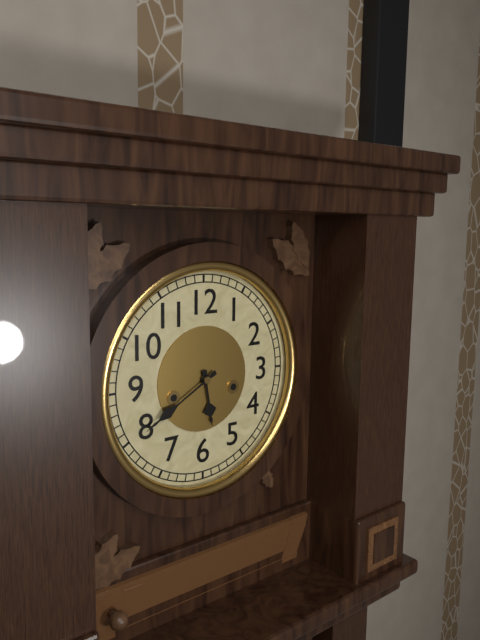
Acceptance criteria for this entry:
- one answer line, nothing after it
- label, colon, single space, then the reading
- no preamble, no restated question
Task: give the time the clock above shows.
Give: 5:40
